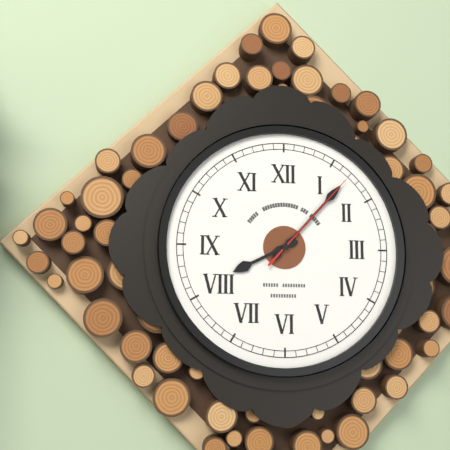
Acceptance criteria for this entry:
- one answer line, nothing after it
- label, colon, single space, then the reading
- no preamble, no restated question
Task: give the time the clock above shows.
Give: 8:07:07
